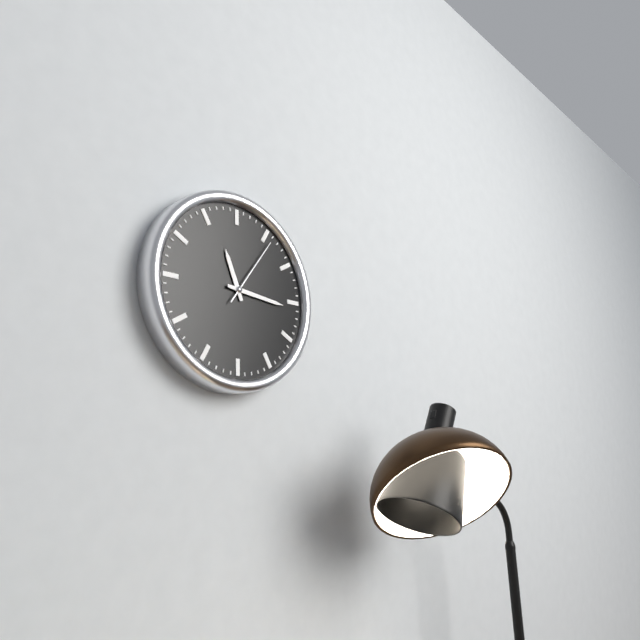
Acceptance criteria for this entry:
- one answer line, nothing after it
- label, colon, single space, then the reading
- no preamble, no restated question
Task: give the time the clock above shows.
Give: 11:16:06
